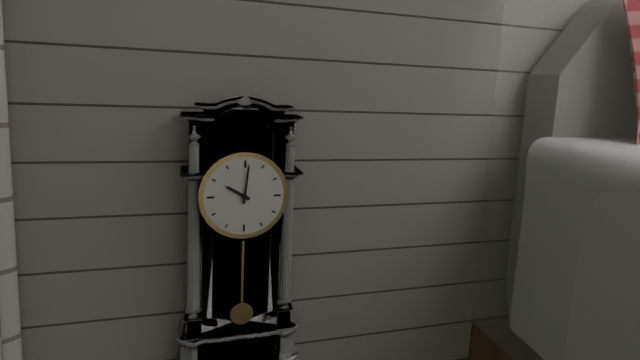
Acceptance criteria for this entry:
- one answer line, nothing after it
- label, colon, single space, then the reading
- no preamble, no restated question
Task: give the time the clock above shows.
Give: 10:01
